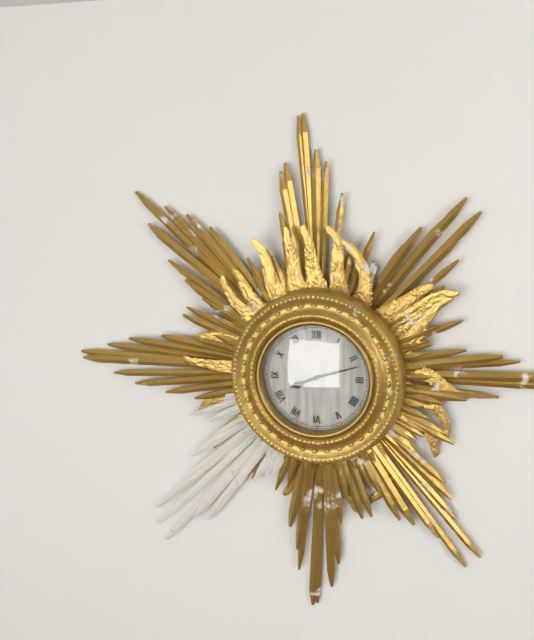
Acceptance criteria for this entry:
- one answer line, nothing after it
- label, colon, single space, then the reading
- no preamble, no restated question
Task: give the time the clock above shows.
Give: 8:12
